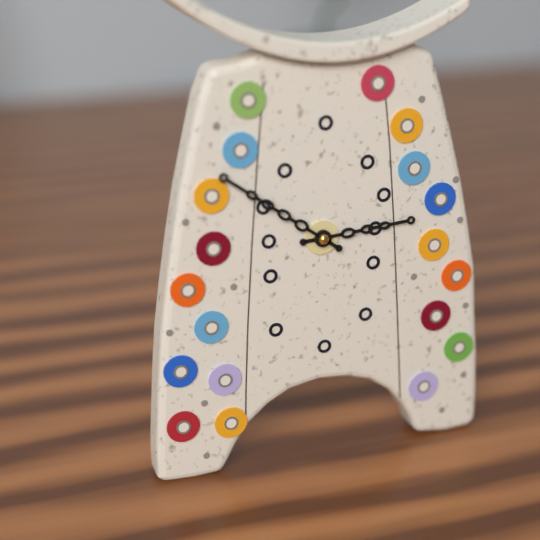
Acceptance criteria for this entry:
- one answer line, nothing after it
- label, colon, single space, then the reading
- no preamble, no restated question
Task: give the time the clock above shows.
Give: 2:51
